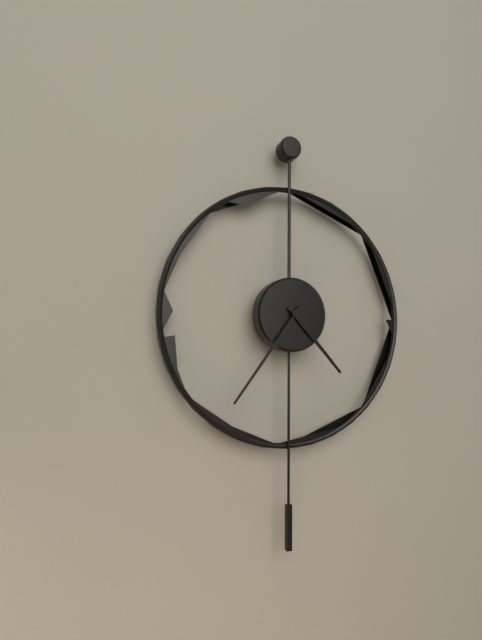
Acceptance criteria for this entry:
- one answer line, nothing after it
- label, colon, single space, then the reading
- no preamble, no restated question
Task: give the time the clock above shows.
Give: 4:36
